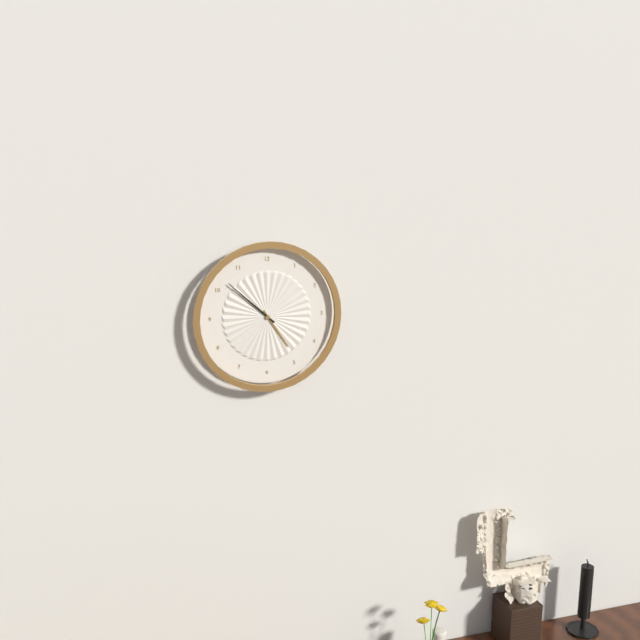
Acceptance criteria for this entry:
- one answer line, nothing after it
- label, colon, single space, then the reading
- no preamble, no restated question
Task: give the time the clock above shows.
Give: 4:52
